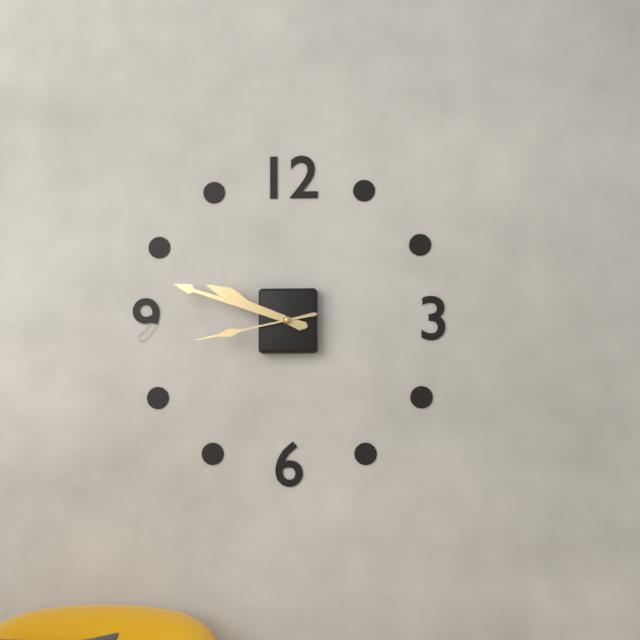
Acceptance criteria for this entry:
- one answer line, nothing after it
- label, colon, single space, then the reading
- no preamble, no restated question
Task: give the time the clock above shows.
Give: 9:48:43
